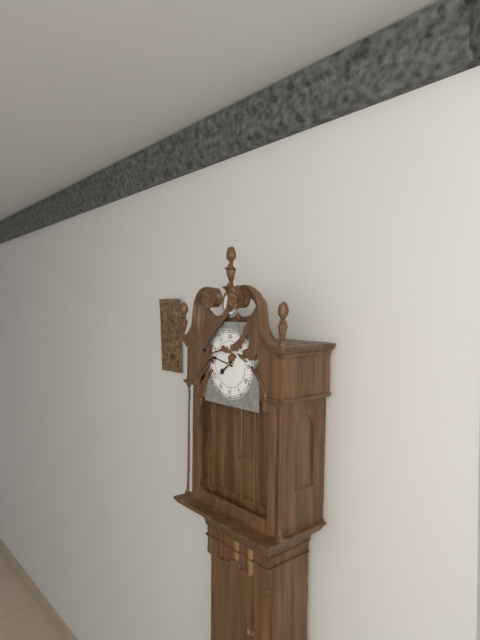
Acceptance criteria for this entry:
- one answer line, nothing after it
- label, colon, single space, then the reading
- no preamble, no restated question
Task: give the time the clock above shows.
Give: 7:47
